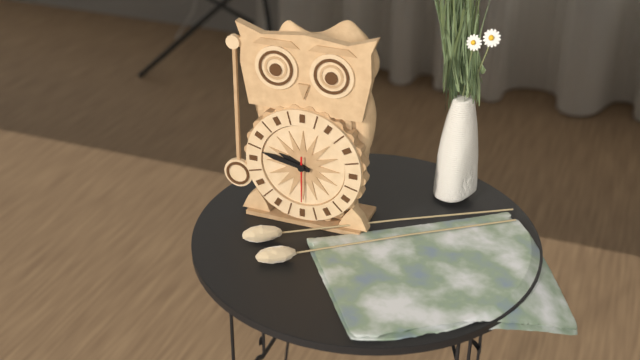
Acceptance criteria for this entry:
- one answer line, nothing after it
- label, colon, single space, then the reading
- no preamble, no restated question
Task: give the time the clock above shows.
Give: 9:47
